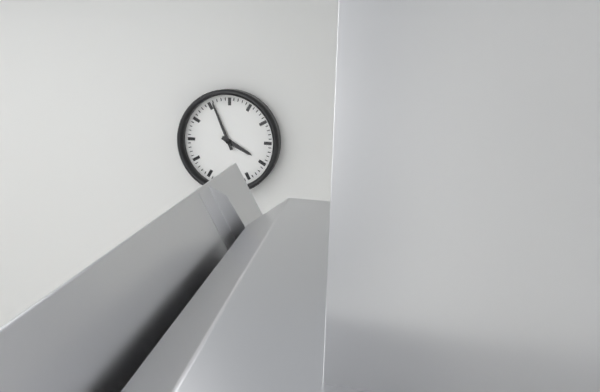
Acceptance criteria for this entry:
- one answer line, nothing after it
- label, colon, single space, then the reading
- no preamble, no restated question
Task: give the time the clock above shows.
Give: 3:56
